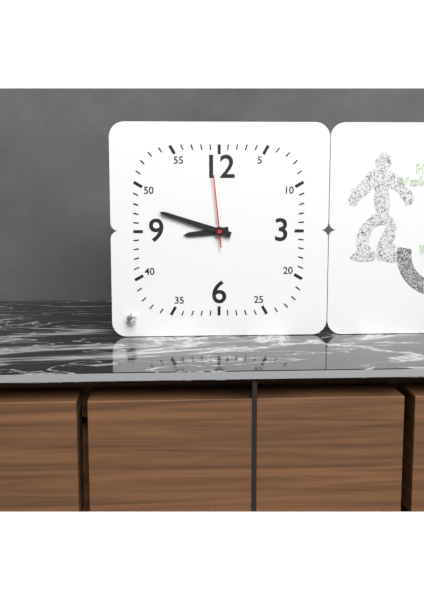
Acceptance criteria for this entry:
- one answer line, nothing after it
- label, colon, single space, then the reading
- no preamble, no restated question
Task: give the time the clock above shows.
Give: 8:48:59
